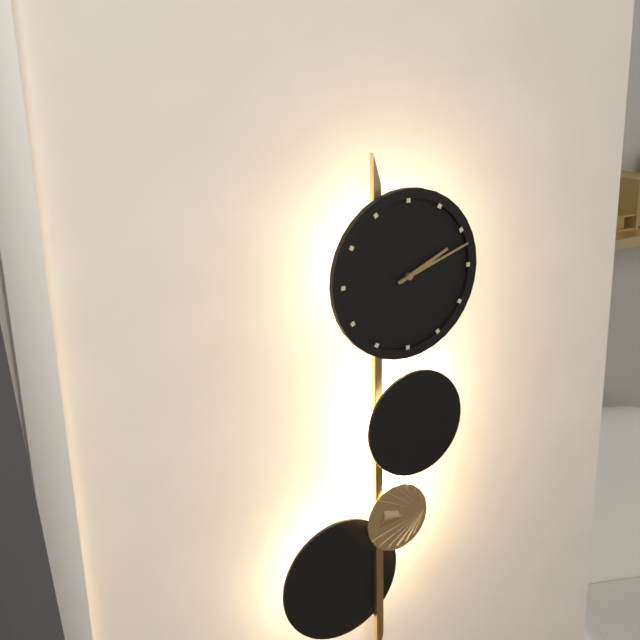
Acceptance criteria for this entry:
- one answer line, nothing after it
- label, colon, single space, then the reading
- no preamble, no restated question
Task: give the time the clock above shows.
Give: 2:12
